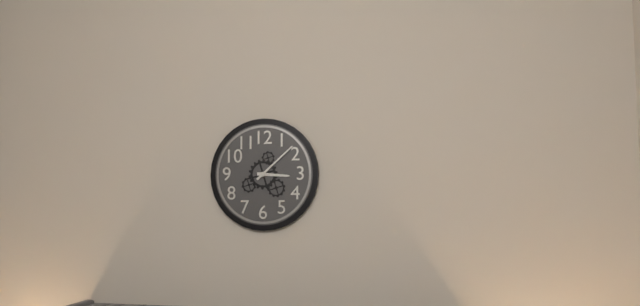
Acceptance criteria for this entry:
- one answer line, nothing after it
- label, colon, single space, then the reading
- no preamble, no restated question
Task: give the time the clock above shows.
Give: 3:08
